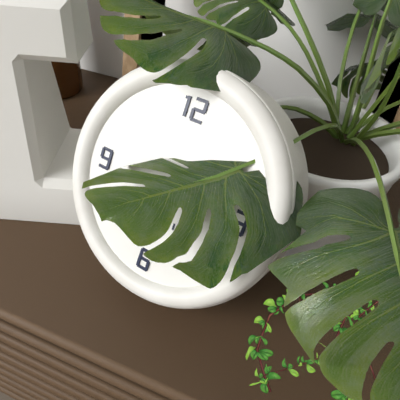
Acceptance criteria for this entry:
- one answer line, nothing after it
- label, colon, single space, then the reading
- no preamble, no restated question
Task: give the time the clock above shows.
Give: 6:39
